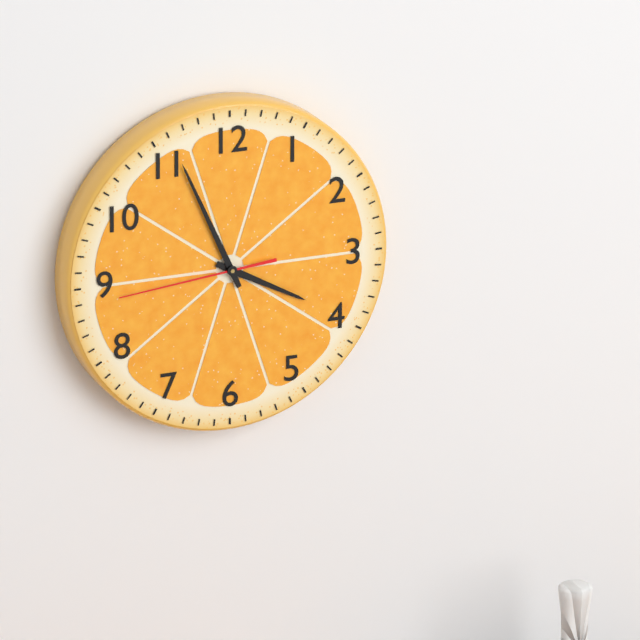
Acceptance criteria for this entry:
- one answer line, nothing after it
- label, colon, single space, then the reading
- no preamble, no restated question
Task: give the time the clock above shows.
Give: 3:56:44
